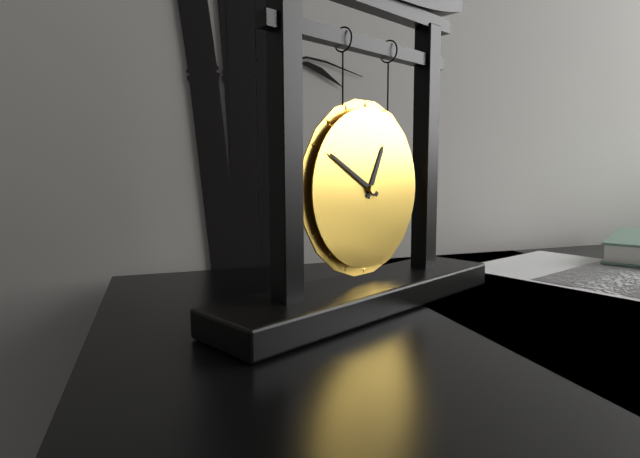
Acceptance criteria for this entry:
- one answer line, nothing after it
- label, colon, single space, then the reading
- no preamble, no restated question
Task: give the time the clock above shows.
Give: 12:50
